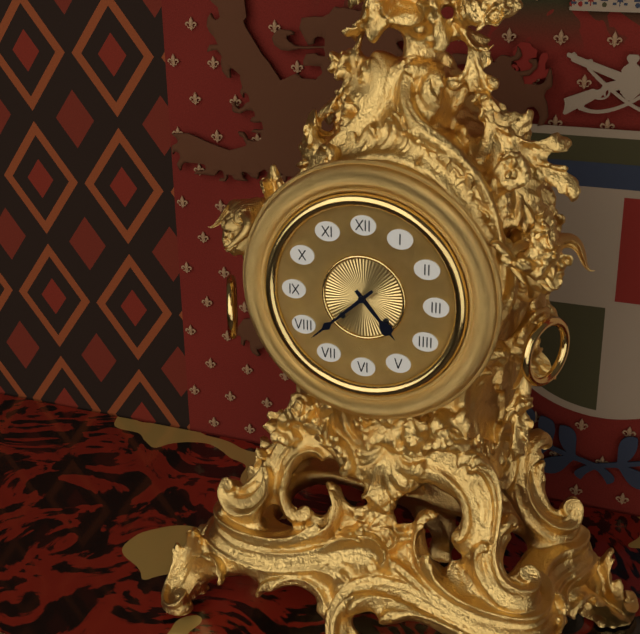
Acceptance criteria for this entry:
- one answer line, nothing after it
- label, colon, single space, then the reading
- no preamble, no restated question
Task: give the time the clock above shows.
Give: 4:38
